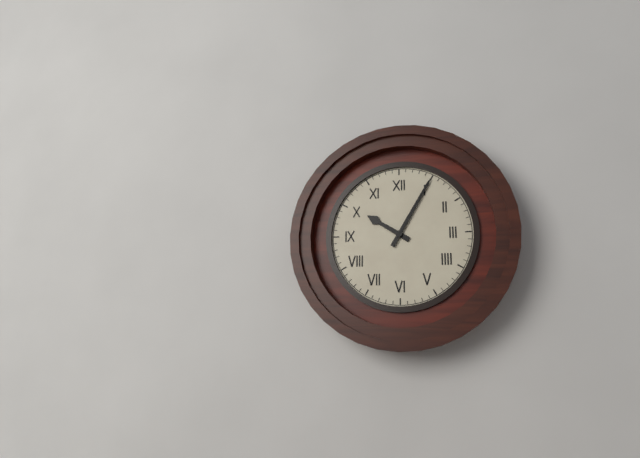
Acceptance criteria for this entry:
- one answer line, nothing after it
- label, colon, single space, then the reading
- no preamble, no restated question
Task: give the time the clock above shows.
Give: 10:05
